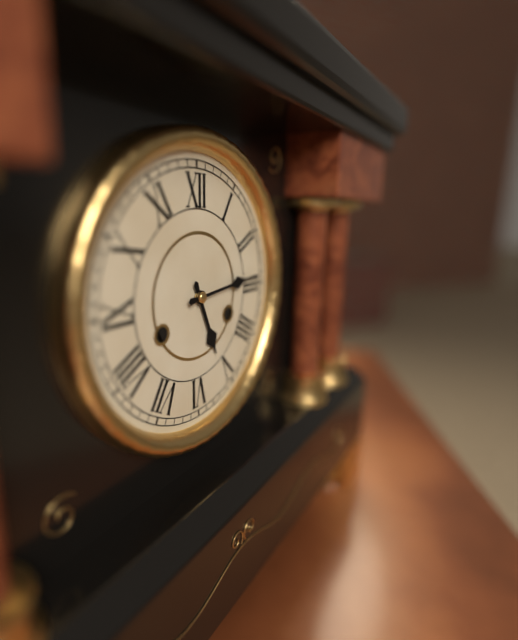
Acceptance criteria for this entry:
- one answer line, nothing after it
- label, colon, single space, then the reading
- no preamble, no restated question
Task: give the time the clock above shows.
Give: 5:14
